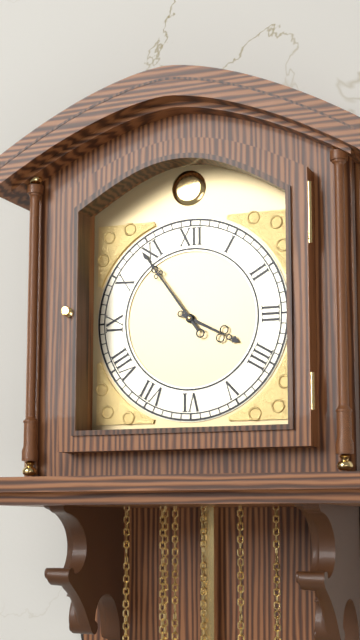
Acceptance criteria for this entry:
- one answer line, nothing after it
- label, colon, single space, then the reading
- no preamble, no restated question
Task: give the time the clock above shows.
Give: 3:54
